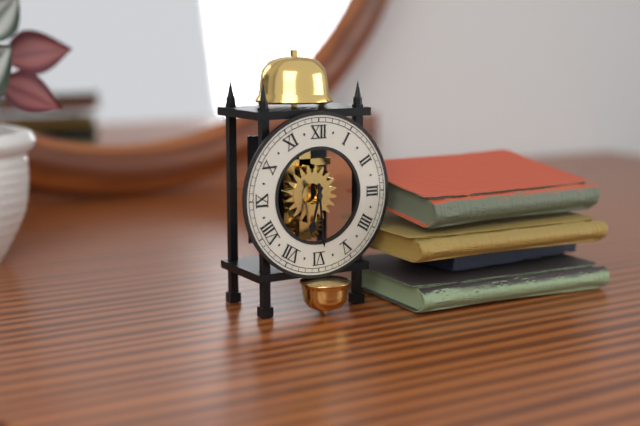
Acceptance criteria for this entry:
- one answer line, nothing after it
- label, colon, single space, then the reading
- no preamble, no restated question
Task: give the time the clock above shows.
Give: 6:29
